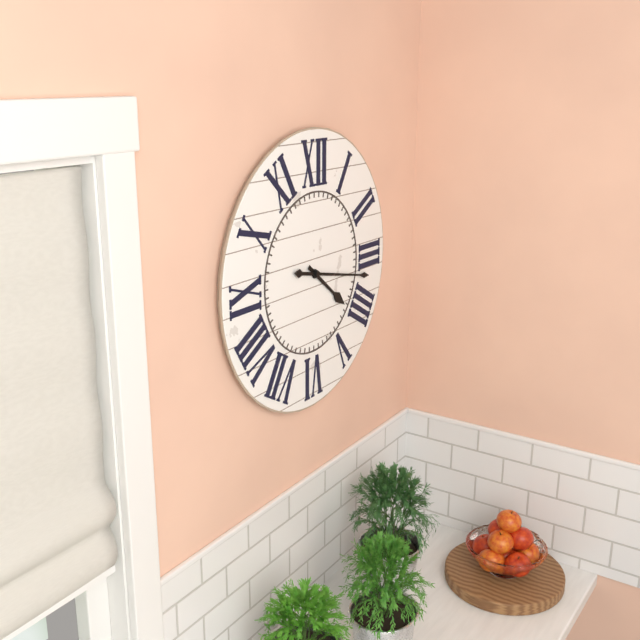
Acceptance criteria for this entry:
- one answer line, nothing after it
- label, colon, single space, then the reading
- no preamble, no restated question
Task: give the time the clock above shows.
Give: 4:17
